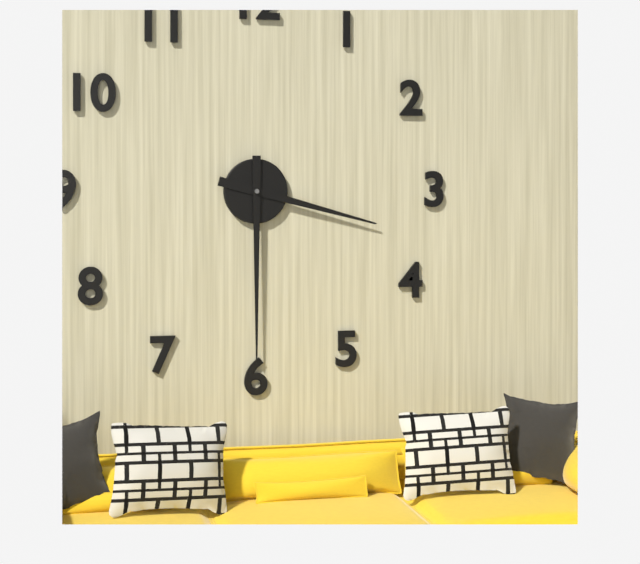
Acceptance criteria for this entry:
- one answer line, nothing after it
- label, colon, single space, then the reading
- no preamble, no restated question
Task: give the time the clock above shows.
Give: 3:30
